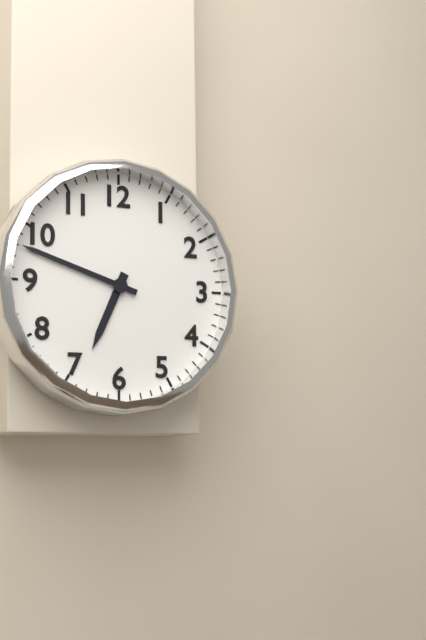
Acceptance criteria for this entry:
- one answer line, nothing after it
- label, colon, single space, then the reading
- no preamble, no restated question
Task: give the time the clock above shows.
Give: 6:48
